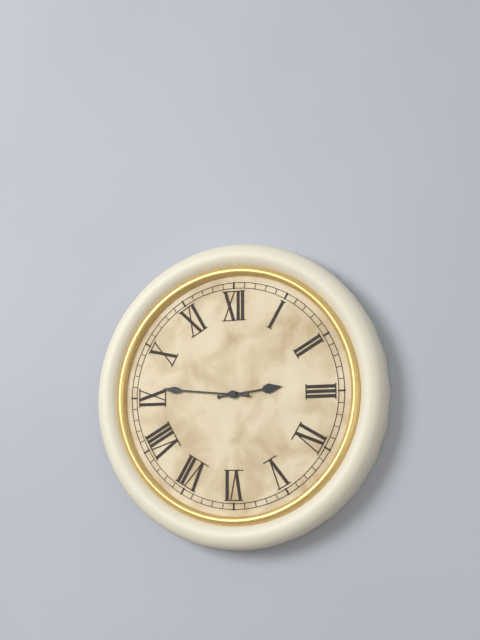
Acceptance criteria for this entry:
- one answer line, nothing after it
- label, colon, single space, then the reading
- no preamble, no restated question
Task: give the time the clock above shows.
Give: 2:46
